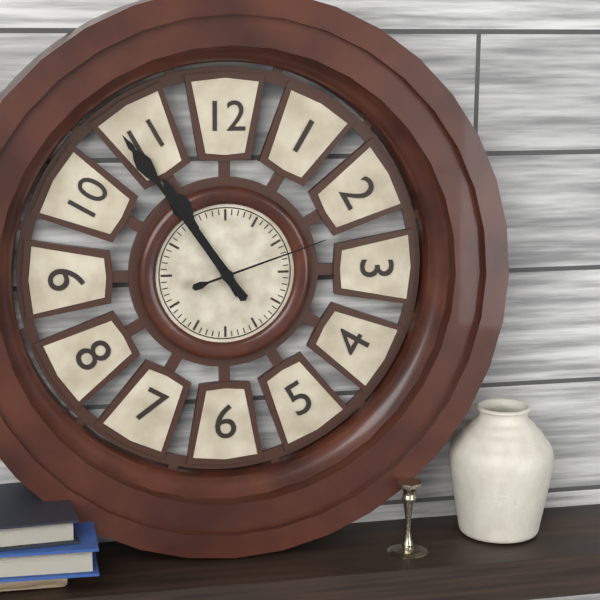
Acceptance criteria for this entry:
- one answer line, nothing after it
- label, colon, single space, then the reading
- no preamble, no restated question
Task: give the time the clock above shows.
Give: 10:54:12
